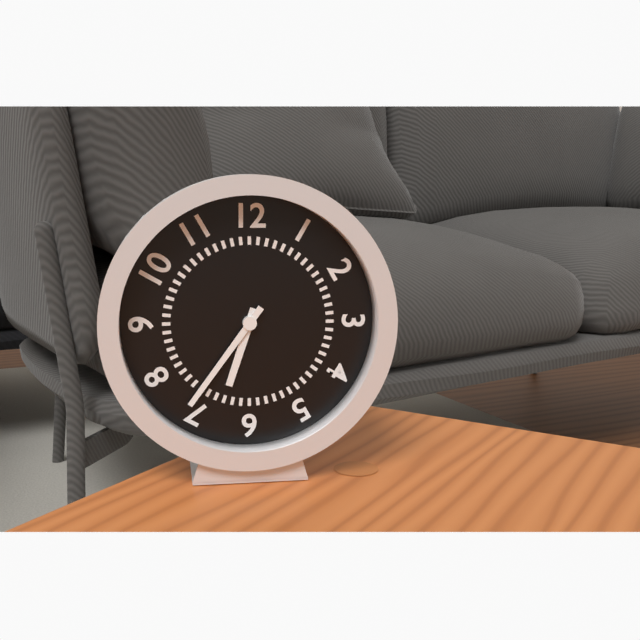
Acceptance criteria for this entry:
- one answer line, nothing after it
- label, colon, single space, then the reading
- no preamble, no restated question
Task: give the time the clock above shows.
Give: 6:36
